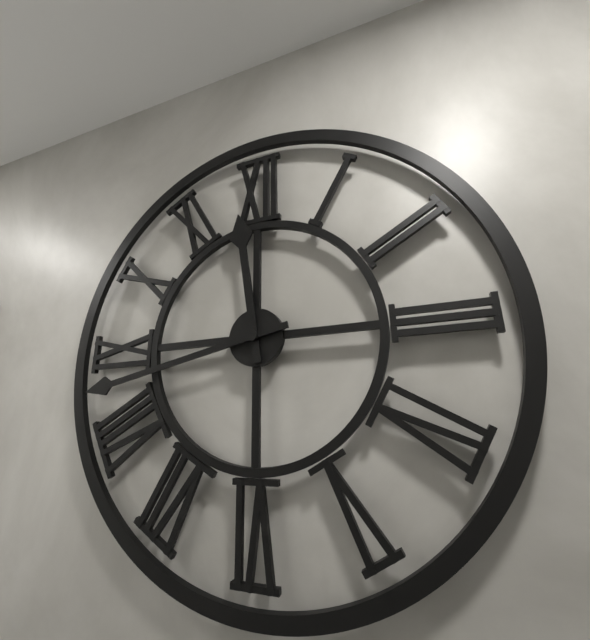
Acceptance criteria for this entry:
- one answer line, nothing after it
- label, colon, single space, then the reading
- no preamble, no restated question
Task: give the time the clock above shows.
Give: 11:43
